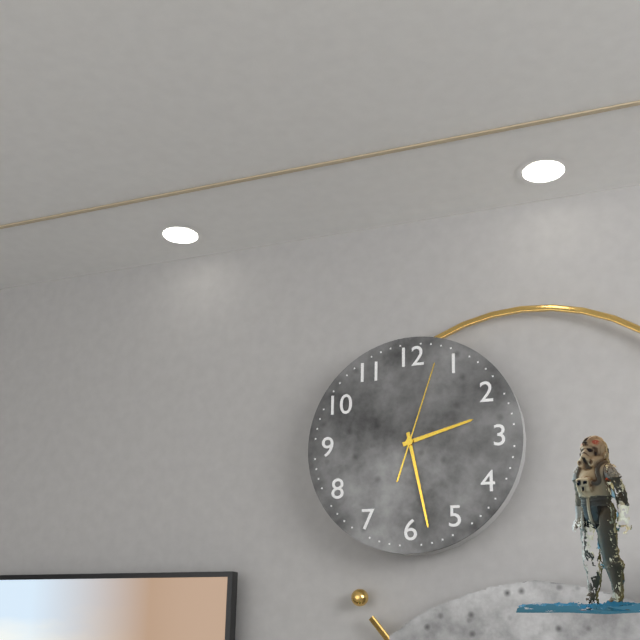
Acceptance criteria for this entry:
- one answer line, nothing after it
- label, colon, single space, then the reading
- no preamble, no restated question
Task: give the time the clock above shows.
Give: 2:28:03
